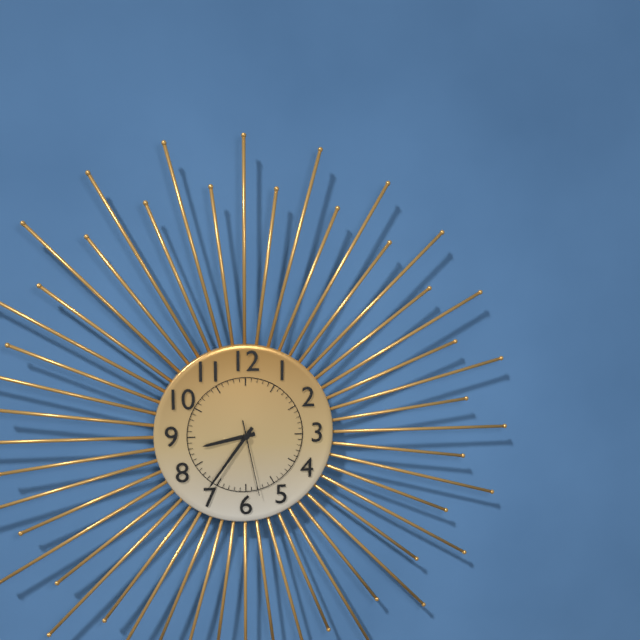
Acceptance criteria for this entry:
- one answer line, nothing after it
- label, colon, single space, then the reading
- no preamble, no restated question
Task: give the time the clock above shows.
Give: 8:36:28
